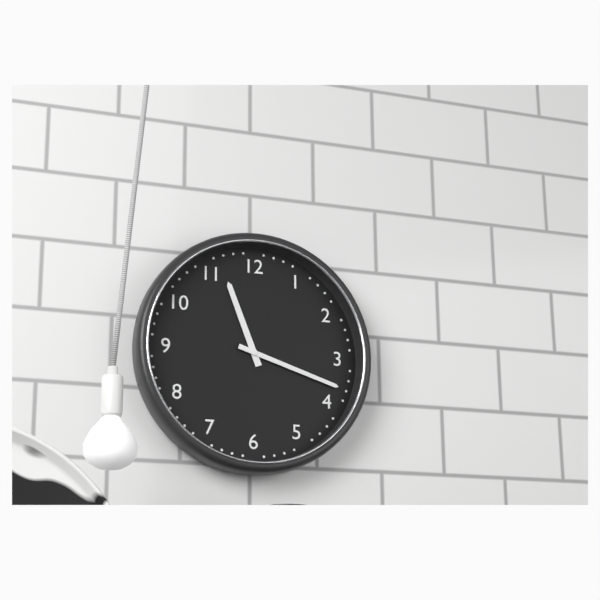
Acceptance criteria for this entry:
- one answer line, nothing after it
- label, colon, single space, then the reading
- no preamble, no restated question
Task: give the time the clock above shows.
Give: 11:18
